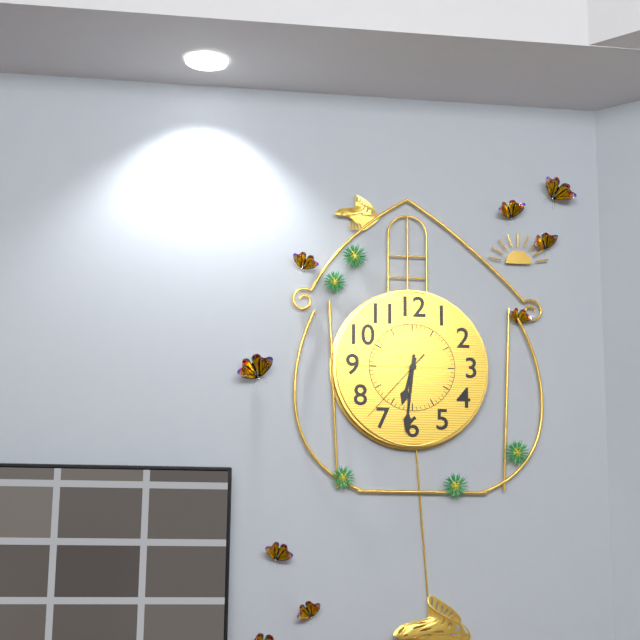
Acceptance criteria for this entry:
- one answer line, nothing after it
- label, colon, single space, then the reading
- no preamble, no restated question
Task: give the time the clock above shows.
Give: 6:31:37
